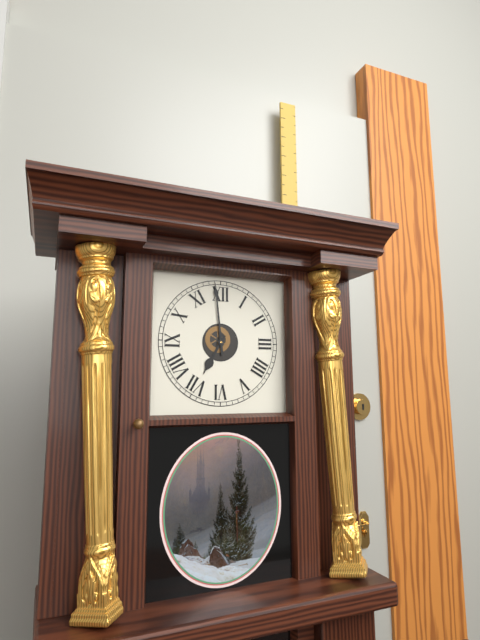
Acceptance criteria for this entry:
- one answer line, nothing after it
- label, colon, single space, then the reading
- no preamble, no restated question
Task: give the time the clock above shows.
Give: 6:59
